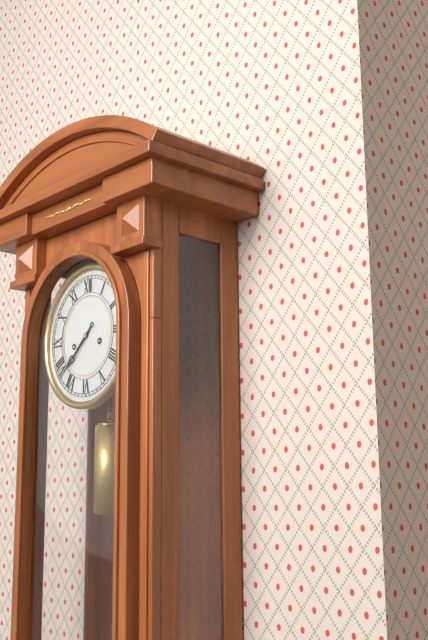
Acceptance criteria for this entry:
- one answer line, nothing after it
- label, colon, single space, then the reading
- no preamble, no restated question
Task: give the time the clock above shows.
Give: 7:38
